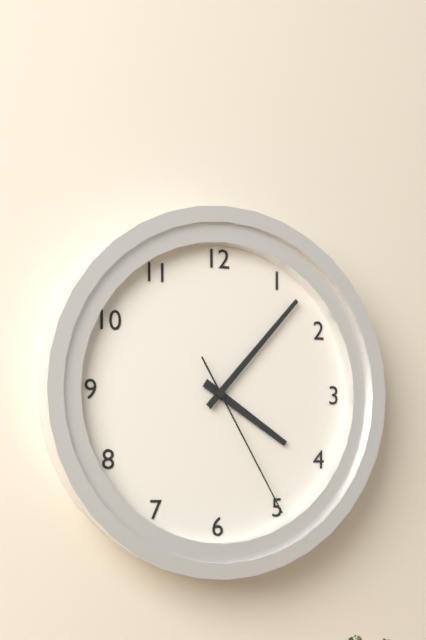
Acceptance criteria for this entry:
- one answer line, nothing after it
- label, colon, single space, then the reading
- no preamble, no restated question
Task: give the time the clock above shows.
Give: 4:07:25
